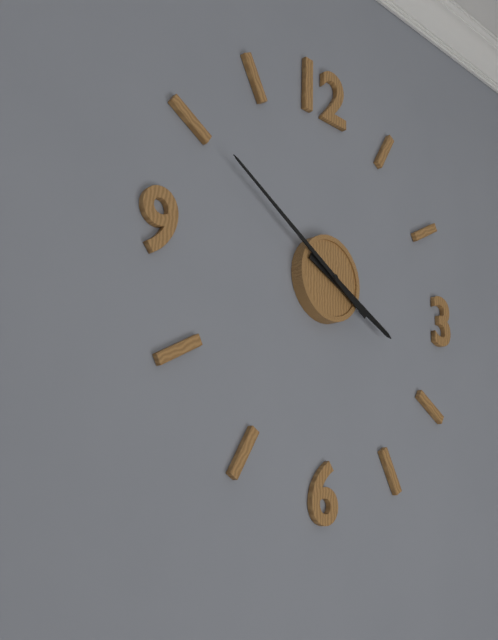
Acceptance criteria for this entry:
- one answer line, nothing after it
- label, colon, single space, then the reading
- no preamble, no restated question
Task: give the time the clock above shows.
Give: 3:50
